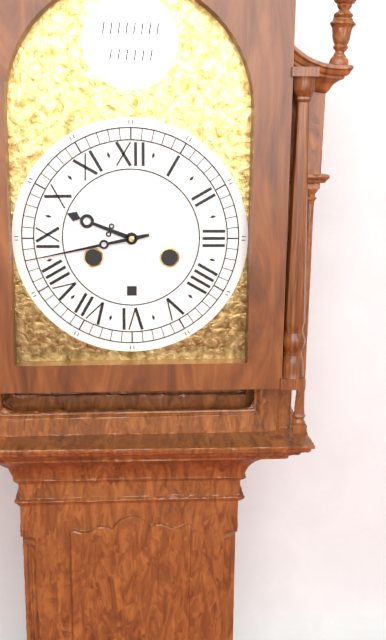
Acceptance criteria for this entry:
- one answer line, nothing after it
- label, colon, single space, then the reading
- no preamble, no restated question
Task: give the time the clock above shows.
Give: 9:43
